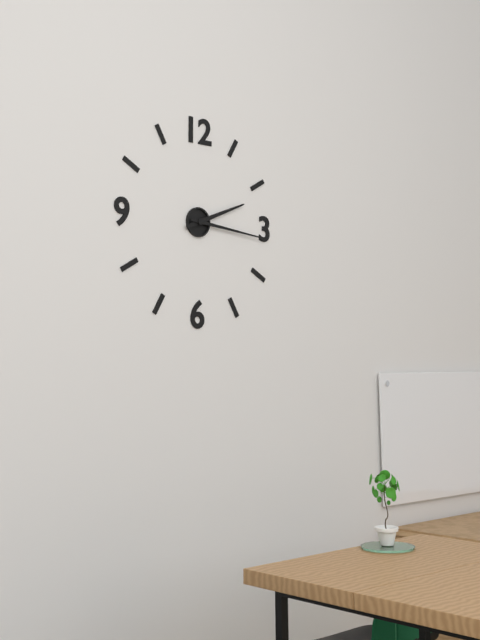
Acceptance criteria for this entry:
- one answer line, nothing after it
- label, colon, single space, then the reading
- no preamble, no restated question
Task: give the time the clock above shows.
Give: 2:16
